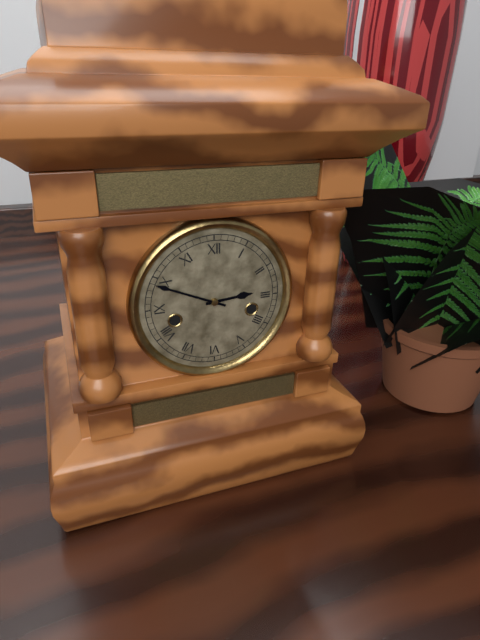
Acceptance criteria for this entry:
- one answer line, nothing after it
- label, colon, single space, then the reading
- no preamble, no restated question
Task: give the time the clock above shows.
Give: 2:49
